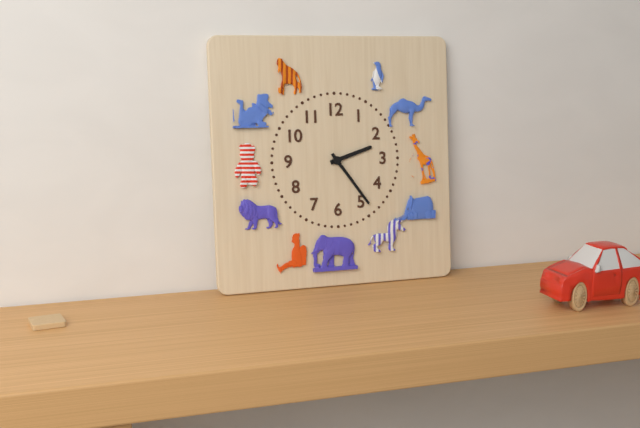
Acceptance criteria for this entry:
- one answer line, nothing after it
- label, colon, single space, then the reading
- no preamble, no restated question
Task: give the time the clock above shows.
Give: 2:24
